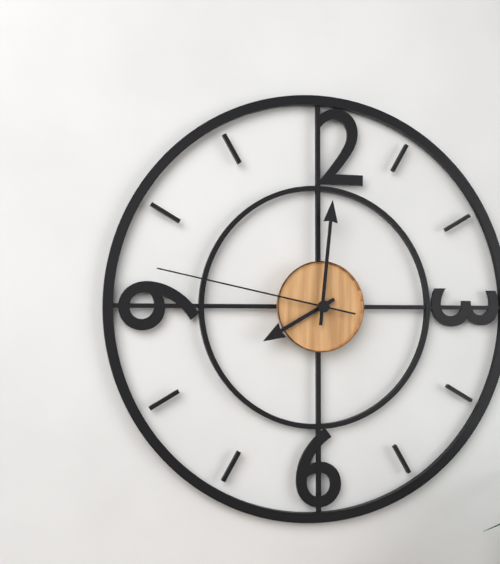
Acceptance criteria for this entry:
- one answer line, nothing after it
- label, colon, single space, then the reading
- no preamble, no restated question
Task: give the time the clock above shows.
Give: 8:01:47
